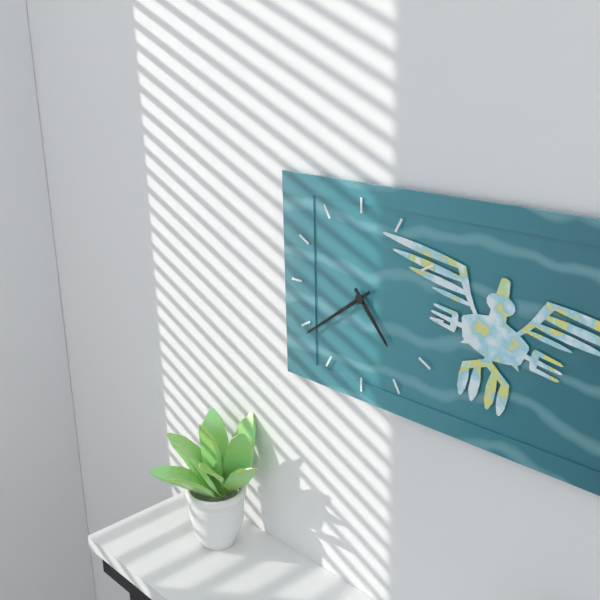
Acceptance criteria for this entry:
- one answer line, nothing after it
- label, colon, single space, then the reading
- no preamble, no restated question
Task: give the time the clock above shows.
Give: 4:39
